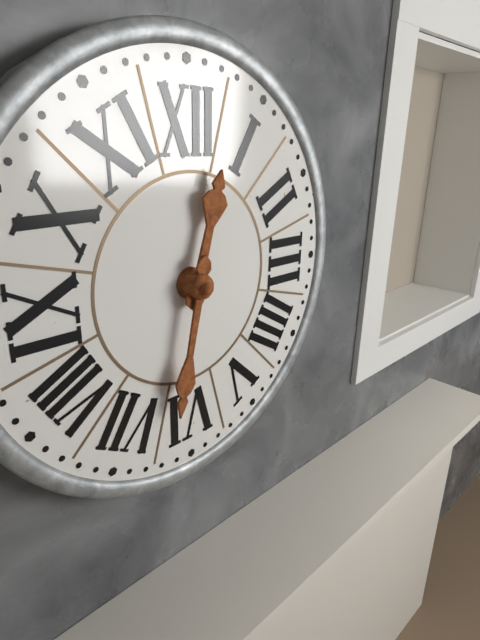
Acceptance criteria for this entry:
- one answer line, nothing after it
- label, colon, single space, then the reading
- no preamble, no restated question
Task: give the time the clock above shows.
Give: 12:32
